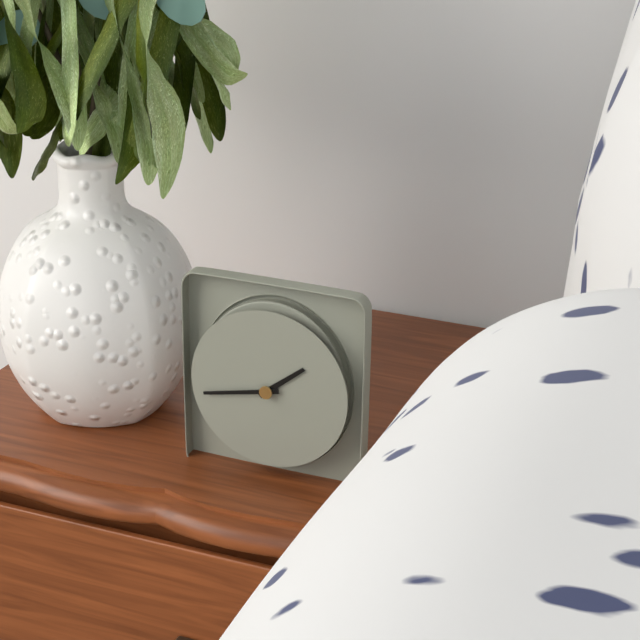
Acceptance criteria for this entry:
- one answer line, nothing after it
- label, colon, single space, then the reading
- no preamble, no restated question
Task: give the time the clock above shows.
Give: 1:43
